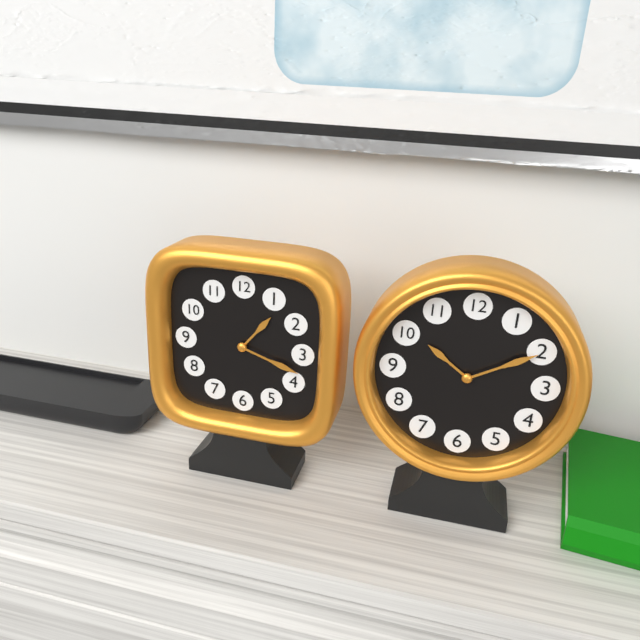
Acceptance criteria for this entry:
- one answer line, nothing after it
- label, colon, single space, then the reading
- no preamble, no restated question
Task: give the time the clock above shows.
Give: 1:18
